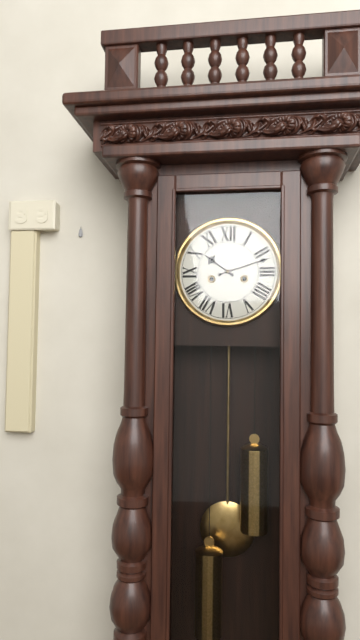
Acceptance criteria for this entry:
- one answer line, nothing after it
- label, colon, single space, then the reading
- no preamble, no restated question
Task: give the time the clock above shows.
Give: 10:12
